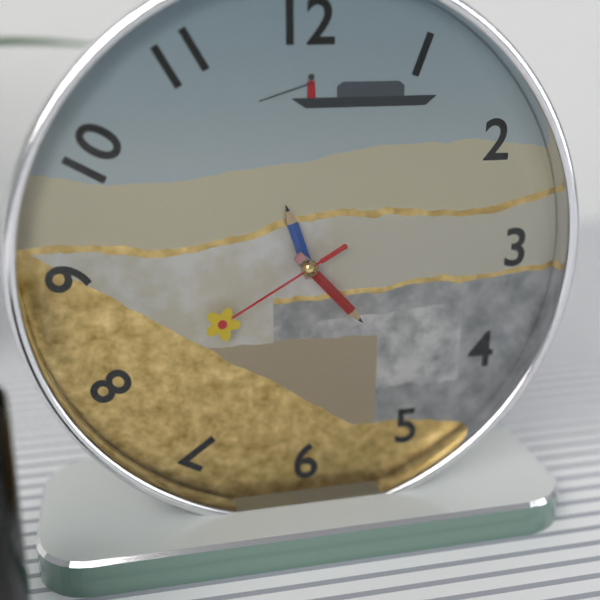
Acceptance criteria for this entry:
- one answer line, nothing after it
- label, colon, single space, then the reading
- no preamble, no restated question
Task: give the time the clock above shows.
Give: 11:23:40
